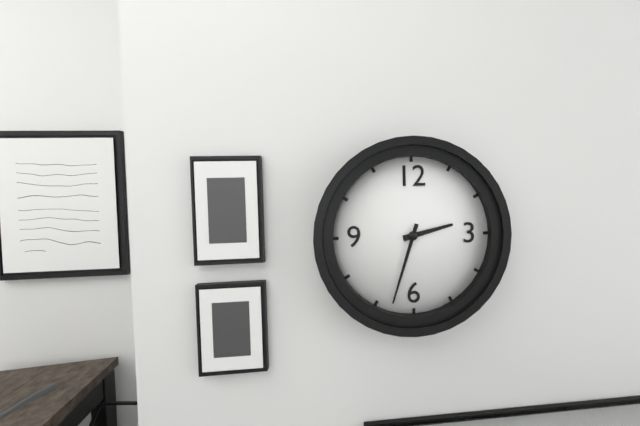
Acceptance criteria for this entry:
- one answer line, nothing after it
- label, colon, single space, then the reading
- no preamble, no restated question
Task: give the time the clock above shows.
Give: 2:33
